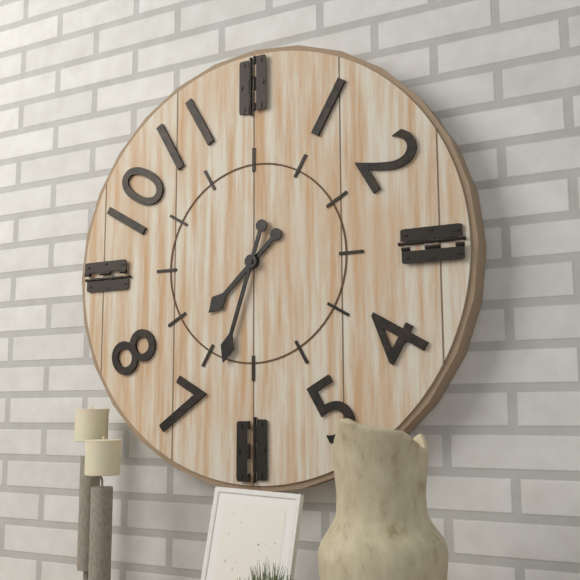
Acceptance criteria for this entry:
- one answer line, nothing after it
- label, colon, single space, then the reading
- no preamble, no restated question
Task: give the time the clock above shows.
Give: 7:33
